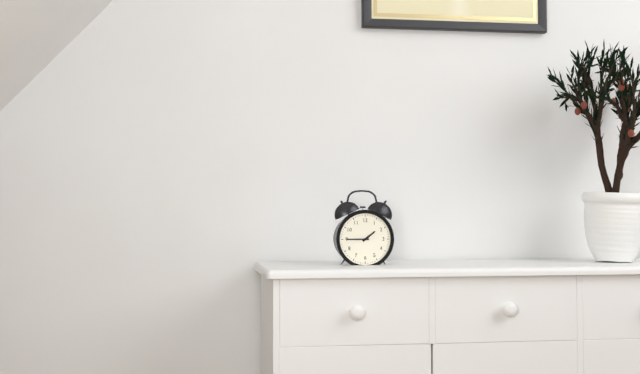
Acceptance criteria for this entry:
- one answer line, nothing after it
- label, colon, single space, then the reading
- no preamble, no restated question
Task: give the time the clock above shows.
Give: 1:45
